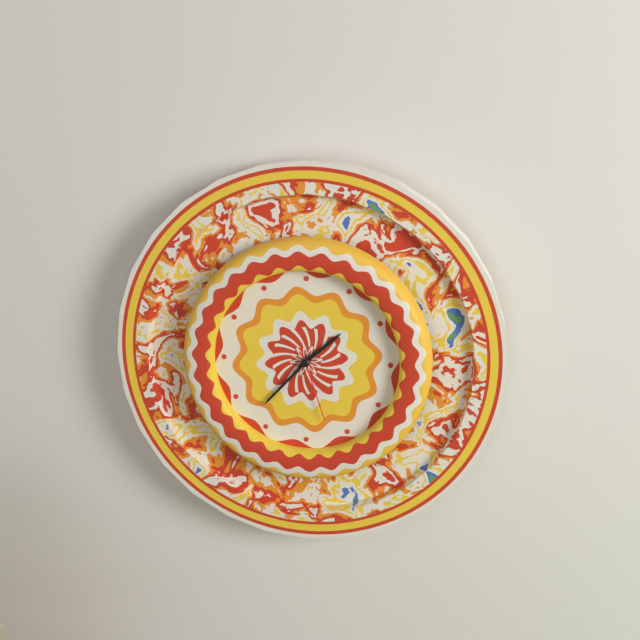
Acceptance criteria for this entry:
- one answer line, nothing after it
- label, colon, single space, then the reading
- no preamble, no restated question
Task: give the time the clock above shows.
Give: 1:37:27
